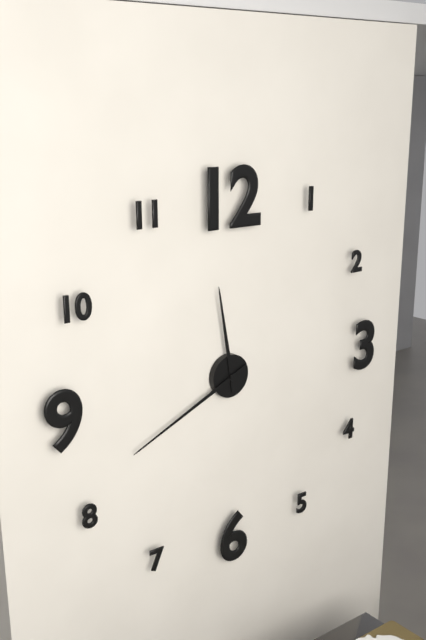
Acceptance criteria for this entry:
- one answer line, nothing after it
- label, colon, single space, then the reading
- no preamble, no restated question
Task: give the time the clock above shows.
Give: 11:41
